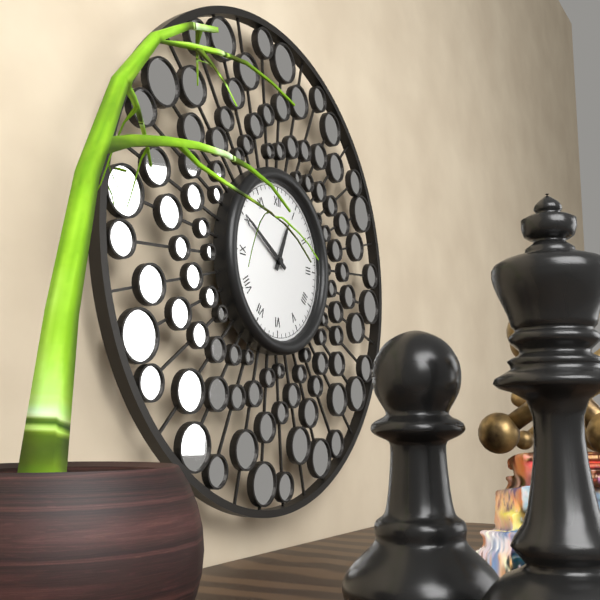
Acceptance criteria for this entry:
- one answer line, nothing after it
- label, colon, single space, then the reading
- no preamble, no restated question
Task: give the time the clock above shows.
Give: 12:50
